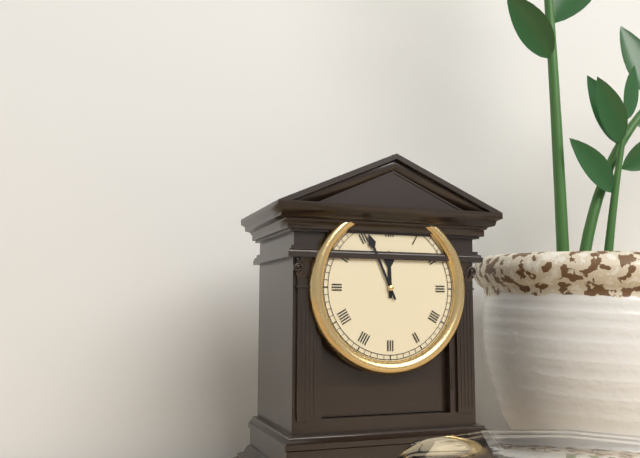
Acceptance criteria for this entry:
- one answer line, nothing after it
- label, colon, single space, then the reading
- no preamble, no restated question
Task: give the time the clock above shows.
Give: 11:56
